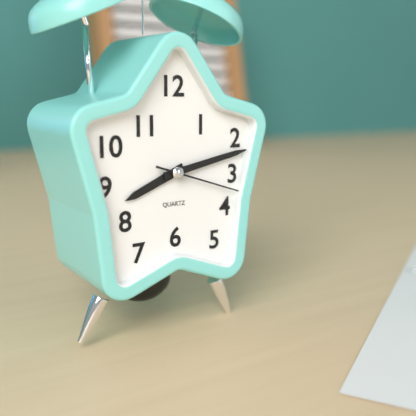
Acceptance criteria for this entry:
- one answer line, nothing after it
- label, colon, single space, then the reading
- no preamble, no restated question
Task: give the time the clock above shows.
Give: 8:13:18
